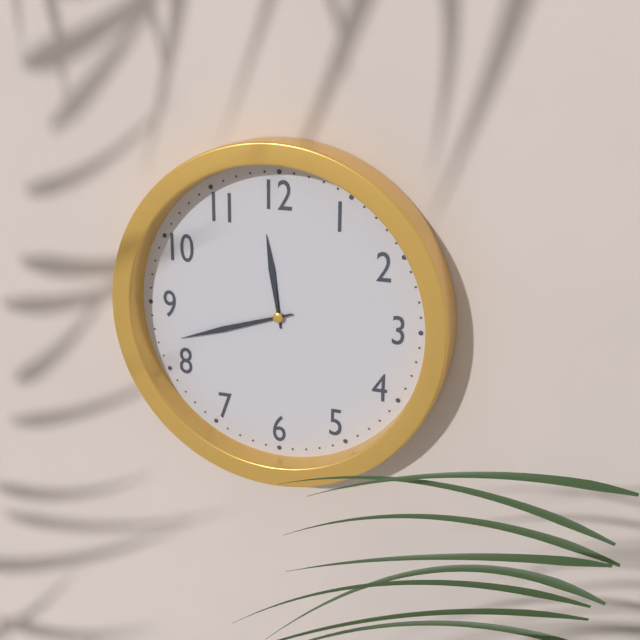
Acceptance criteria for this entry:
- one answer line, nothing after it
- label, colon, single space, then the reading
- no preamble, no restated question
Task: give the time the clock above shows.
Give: 11:42
